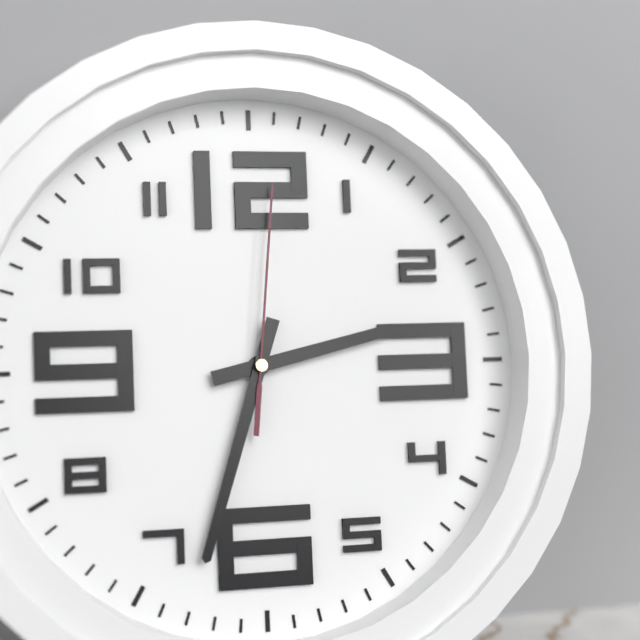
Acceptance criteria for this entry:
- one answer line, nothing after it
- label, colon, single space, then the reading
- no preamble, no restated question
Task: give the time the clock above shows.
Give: 2:33:01
